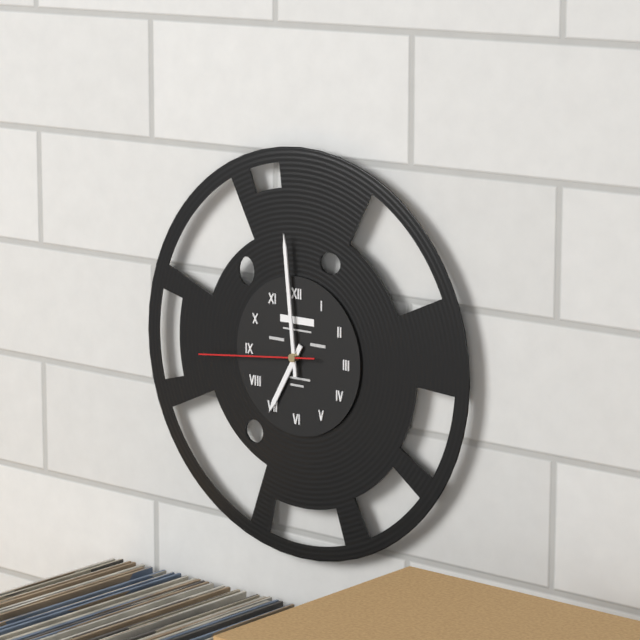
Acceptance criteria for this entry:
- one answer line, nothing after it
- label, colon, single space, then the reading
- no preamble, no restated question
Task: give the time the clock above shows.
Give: 6:59:44
